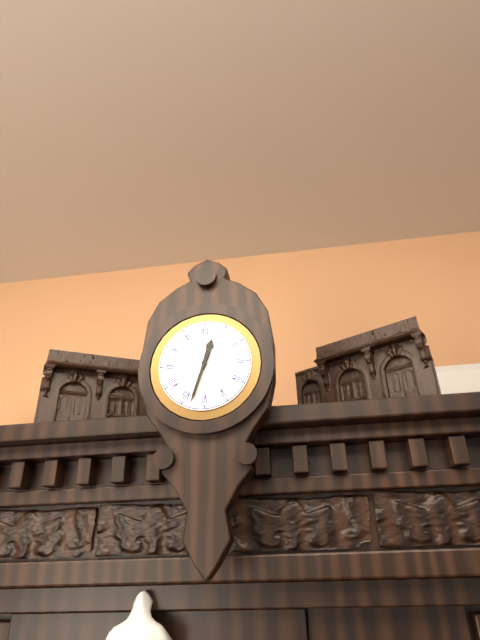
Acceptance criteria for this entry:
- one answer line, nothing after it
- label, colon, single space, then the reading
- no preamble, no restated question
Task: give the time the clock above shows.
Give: 12:33
